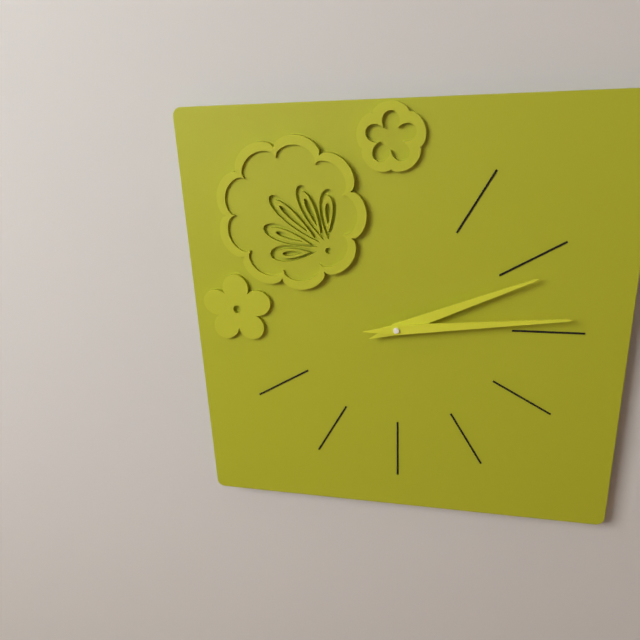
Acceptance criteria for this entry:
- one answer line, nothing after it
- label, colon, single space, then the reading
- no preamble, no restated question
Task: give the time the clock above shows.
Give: 2:14
